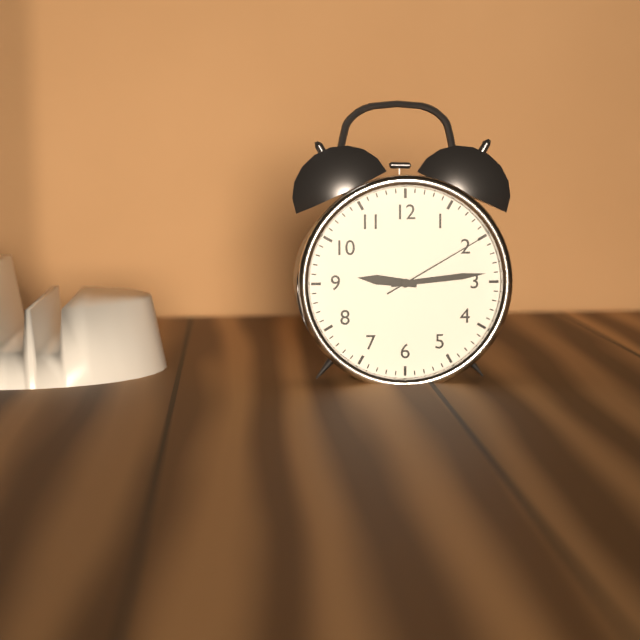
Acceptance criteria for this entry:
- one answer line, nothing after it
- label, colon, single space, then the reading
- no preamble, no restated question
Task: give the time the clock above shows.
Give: 9:14:10
